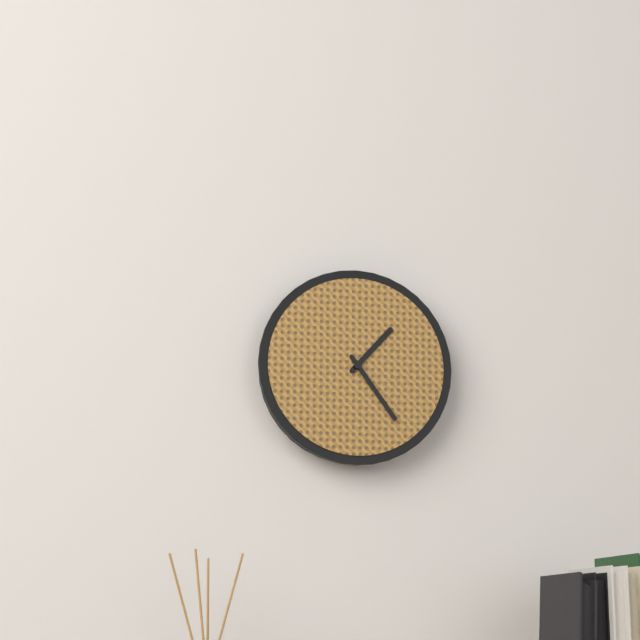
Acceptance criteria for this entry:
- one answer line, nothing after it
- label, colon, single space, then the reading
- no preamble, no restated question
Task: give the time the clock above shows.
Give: 1:24
